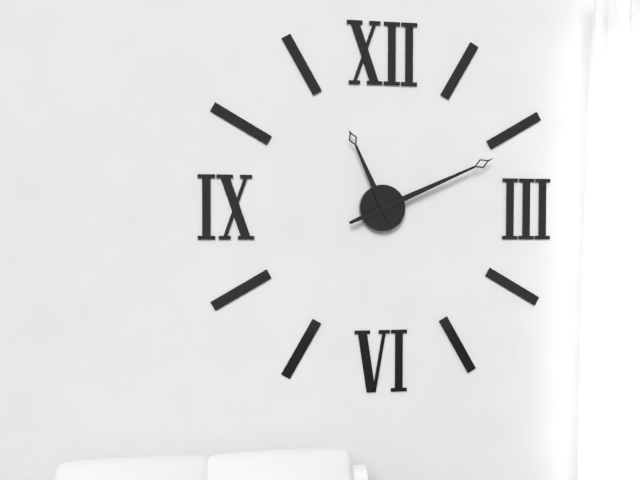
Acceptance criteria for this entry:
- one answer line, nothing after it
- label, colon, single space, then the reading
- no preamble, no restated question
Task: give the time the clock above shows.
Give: 11:11
